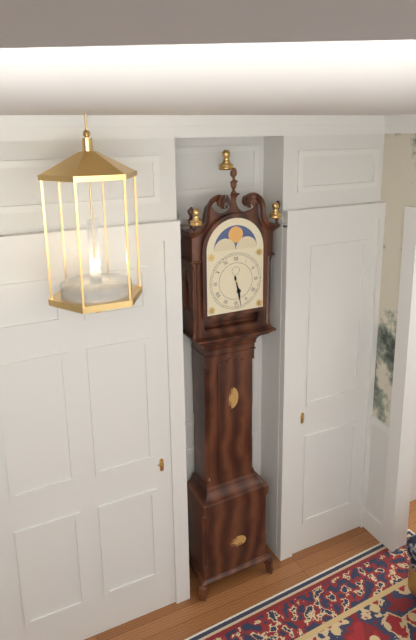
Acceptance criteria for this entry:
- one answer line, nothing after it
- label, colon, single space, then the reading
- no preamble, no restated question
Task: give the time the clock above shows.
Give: 5:28
